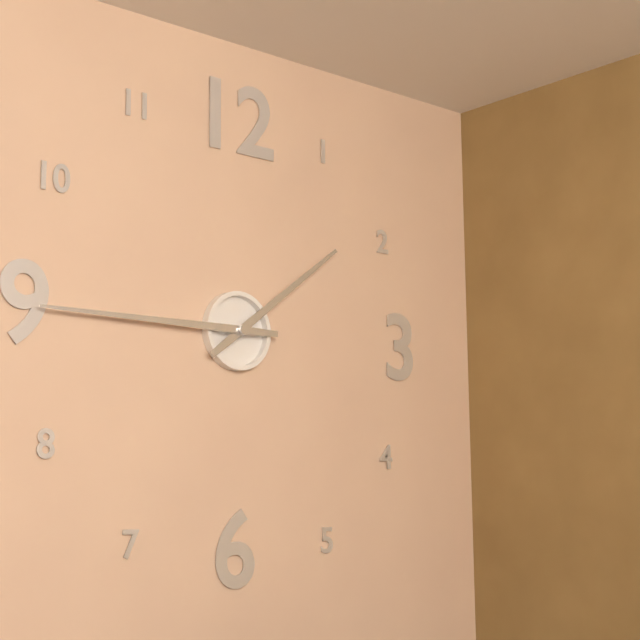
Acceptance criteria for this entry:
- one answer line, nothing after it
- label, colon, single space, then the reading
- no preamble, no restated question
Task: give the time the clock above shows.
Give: 1:45
